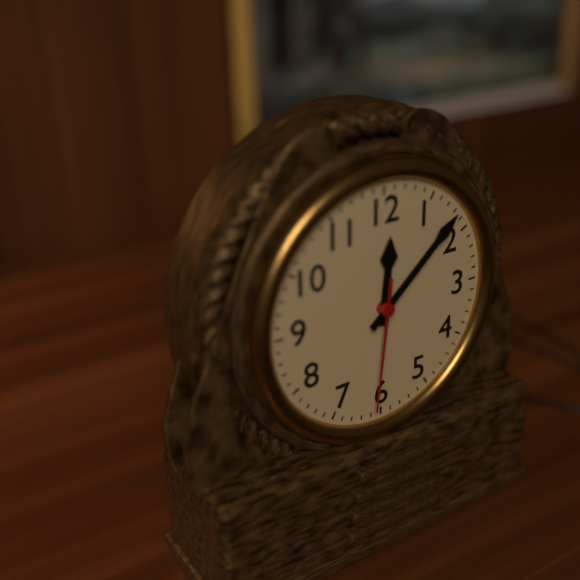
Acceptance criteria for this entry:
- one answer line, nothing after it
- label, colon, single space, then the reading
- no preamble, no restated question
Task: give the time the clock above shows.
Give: 12:08:31
